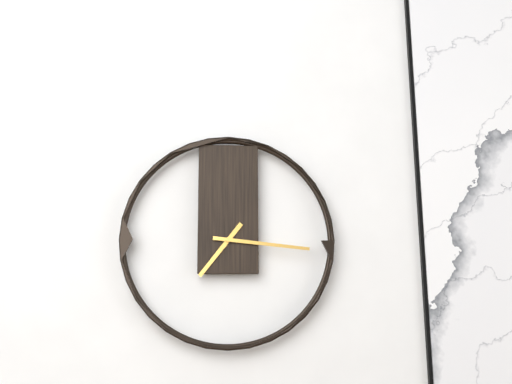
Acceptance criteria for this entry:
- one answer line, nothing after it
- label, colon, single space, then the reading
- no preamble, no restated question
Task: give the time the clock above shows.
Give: 7:16
